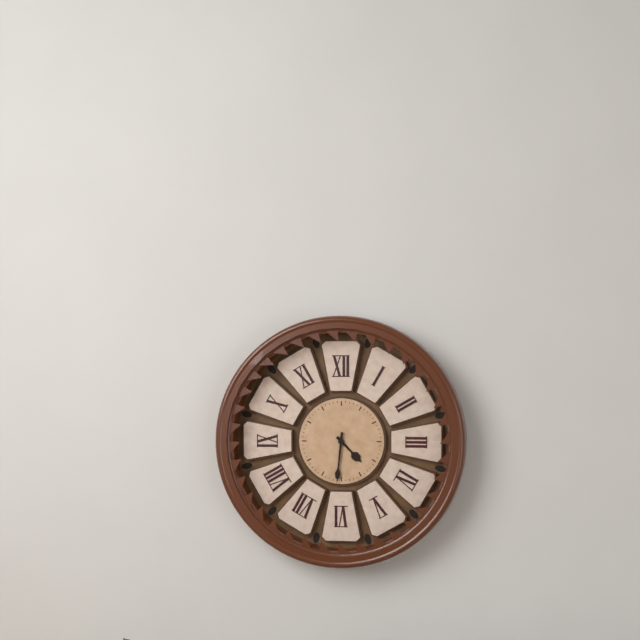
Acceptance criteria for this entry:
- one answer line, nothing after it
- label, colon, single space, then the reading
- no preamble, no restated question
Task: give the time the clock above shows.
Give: 4:31
